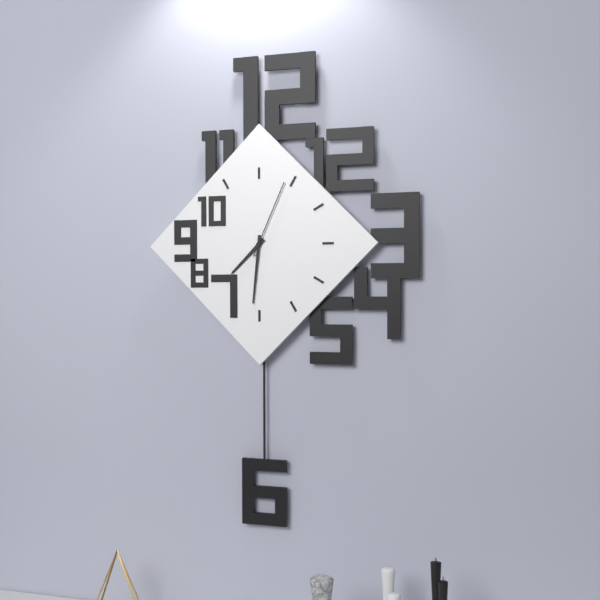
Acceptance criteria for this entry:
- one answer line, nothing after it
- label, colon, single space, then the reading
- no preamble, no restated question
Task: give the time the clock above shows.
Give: 7:31:04
